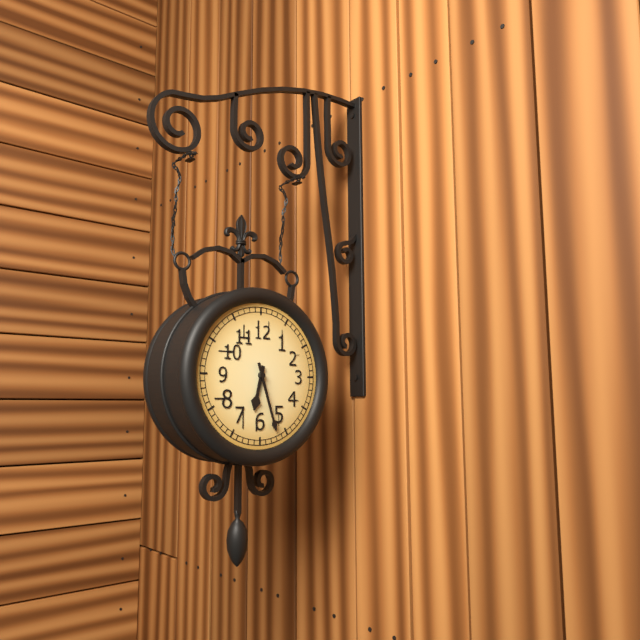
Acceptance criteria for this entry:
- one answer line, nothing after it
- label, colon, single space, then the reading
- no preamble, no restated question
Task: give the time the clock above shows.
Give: 6:27
